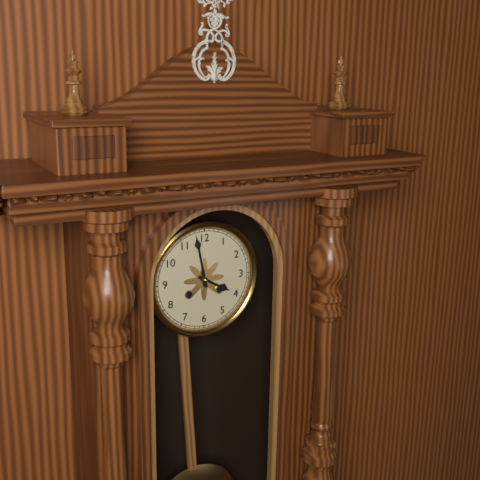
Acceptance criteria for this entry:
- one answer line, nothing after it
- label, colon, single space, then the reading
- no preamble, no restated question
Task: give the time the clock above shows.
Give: 3:58
